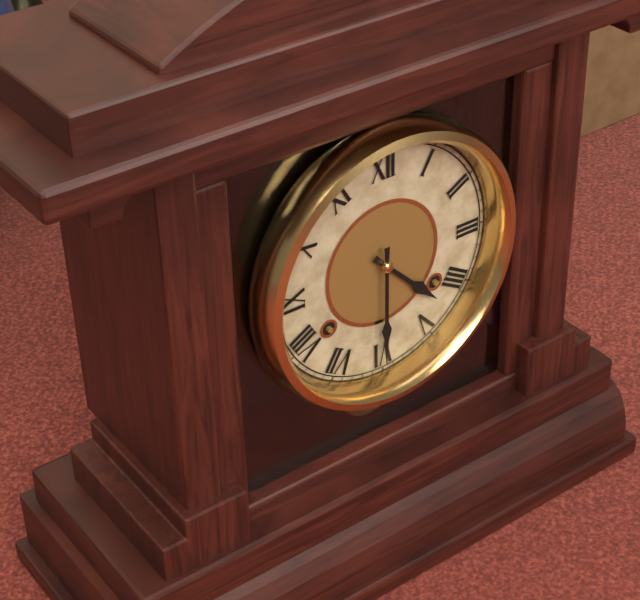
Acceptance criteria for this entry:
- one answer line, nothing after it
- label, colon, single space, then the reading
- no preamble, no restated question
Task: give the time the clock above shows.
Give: 4:30
